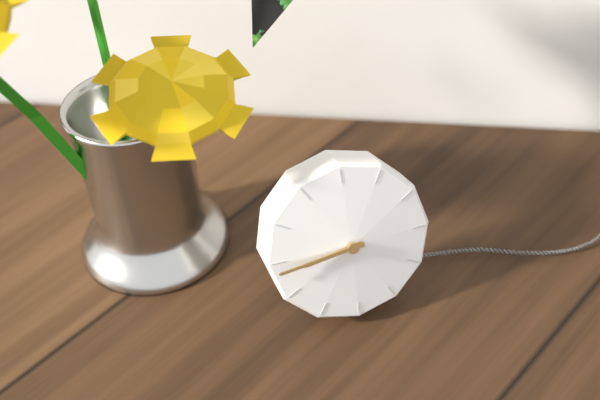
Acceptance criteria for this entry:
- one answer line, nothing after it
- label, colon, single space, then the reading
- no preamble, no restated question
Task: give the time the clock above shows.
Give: 8:44
